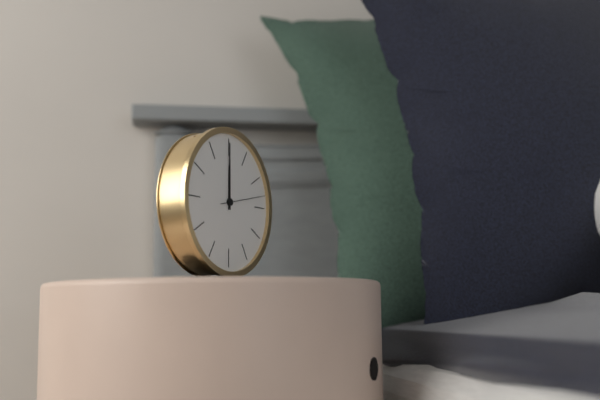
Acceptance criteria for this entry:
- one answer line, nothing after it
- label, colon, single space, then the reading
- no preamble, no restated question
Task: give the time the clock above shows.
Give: 12:00
